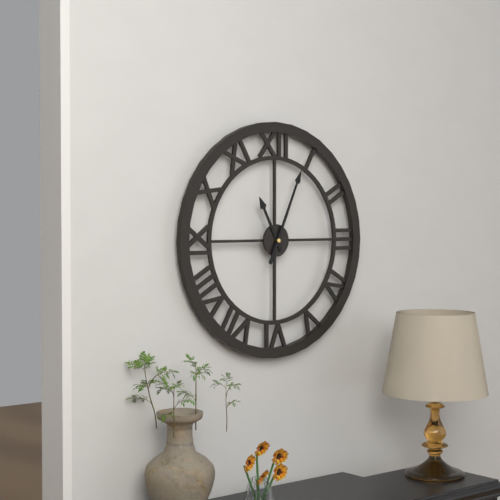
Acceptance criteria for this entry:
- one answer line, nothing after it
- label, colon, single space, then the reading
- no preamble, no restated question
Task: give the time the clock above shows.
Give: 11:04
